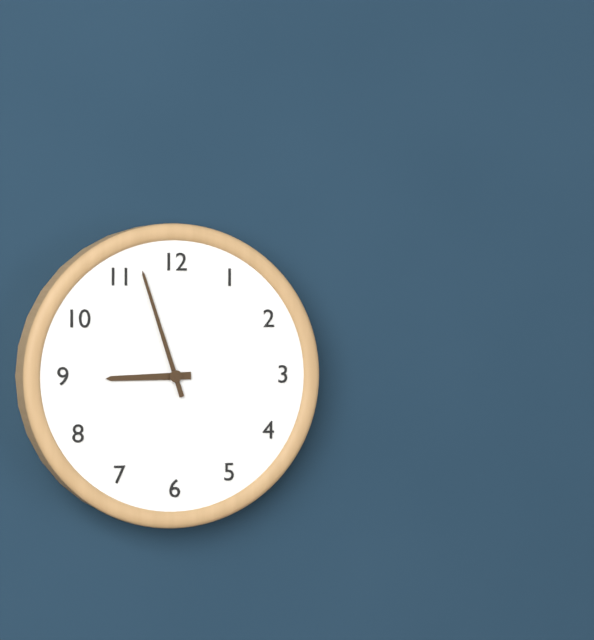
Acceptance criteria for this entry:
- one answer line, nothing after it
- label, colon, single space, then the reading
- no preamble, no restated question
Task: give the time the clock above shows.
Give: 8:57
